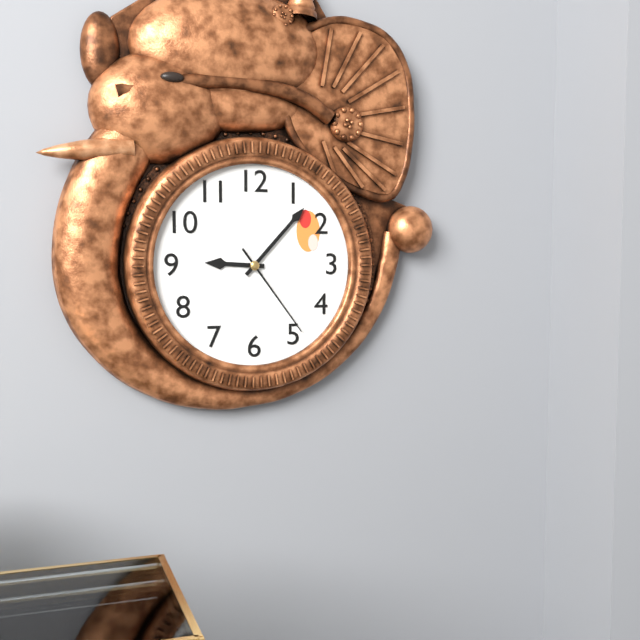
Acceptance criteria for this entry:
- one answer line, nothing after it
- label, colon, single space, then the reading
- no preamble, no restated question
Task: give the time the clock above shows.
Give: 9:07:24
